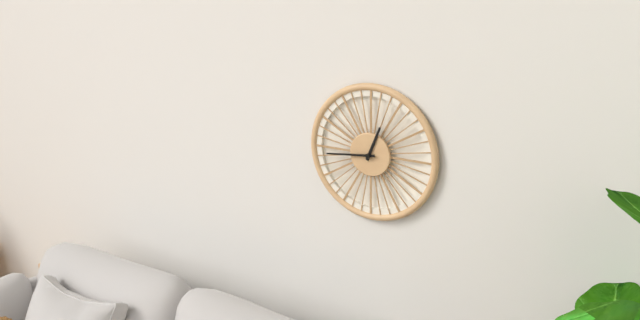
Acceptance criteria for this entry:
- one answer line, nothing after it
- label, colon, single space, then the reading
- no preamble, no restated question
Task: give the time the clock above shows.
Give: 12:44
